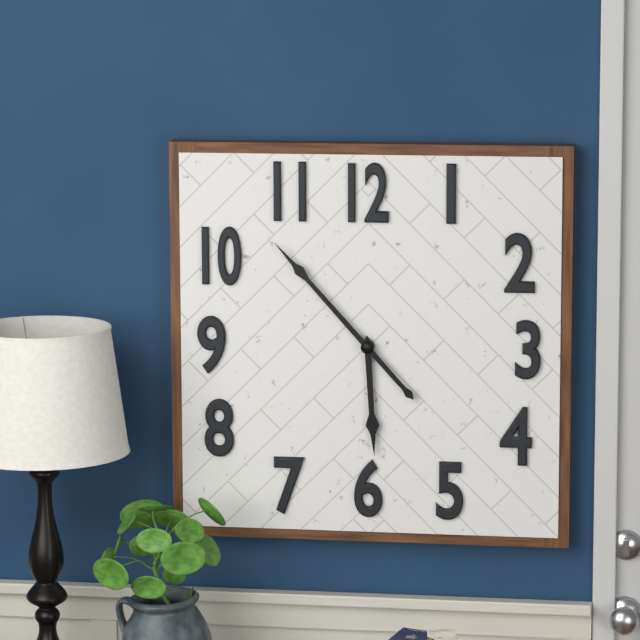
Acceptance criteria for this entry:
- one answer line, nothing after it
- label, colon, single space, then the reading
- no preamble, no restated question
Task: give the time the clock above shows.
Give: 5:53
